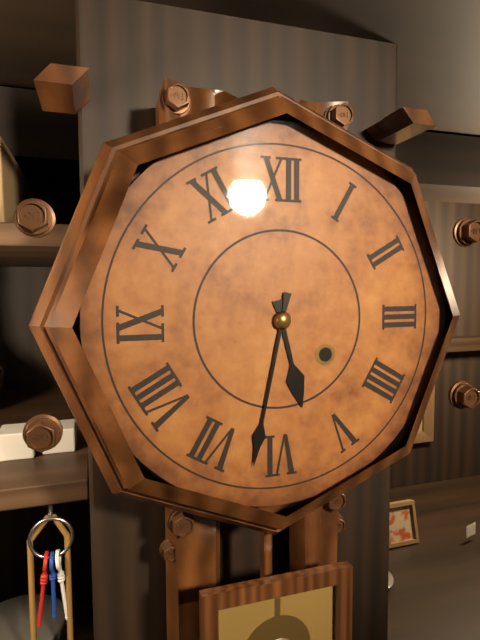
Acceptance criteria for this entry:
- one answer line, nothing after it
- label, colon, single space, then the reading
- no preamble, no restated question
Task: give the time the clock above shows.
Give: 5:32
